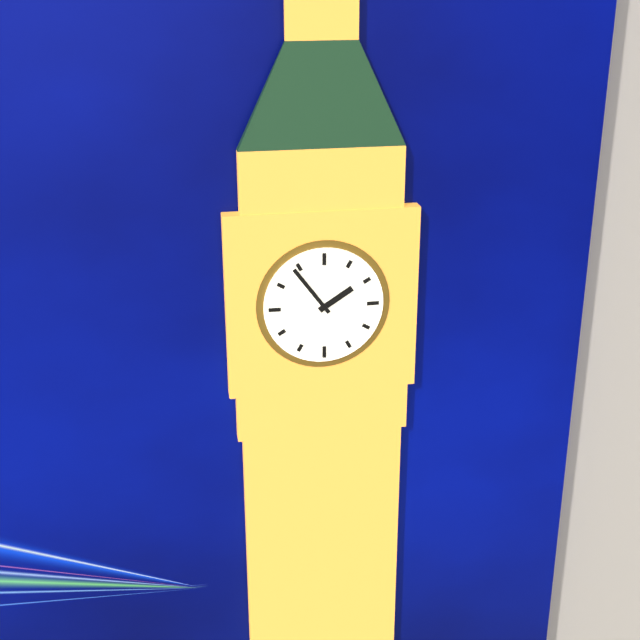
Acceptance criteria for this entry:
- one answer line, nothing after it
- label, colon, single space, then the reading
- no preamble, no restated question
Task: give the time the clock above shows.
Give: 1:54
